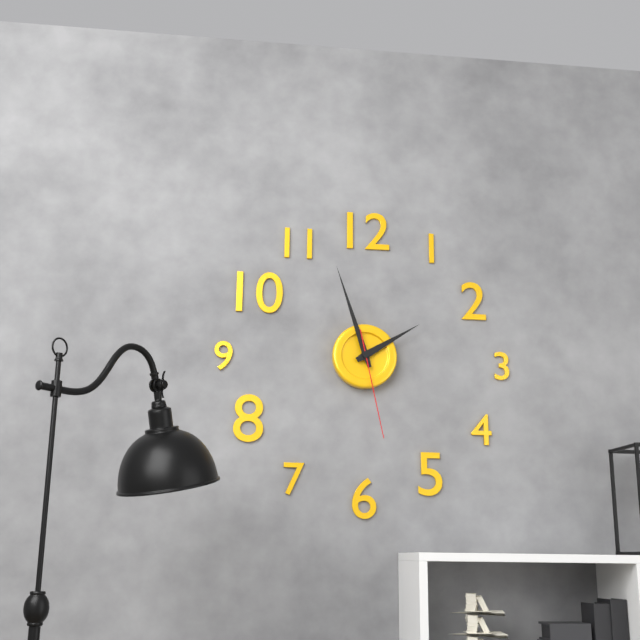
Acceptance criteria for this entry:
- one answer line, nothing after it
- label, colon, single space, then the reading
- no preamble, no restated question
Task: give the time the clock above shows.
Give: 1:57:28
